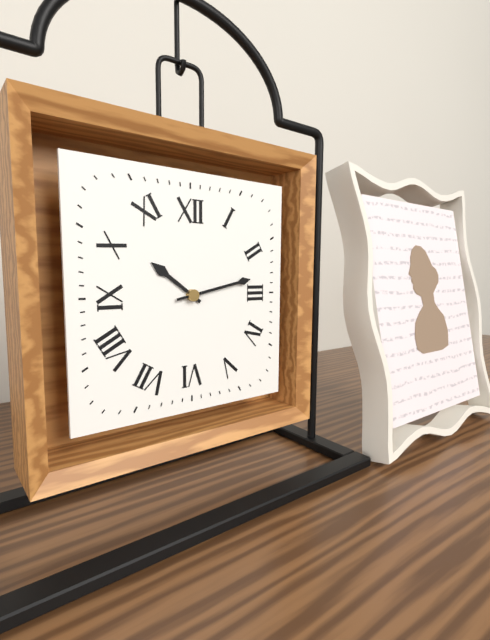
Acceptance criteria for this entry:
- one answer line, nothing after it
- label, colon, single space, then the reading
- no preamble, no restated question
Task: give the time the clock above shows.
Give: 10:13
